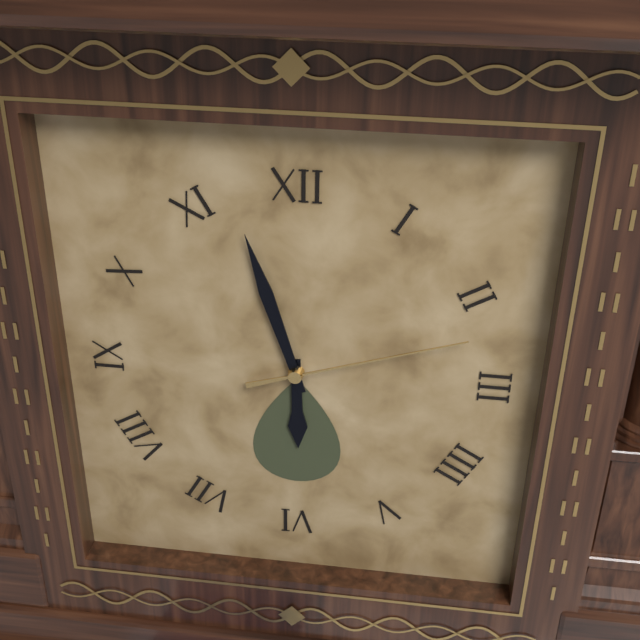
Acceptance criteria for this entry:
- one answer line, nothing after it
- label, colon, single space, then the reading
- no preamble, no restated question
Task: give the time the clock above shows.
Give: 5:57:12
